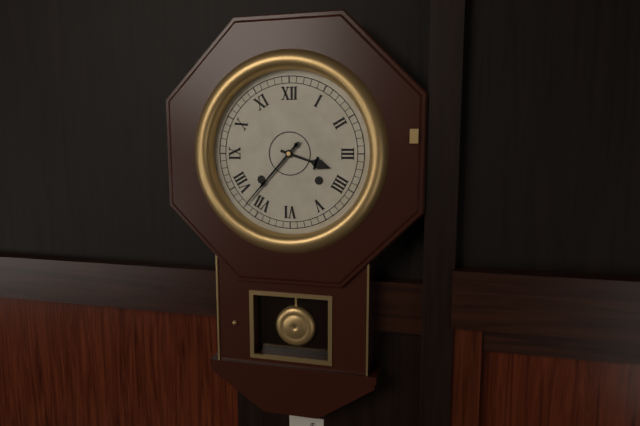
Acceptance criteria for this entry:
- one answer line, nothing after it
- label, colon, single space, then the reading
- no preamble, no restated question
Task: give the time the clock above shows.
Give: 3:37
